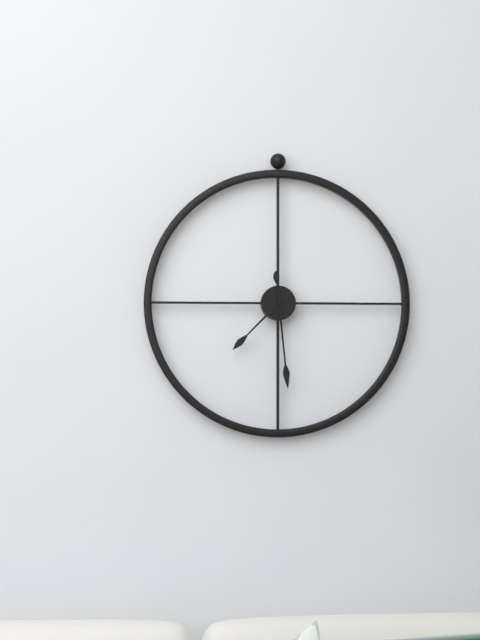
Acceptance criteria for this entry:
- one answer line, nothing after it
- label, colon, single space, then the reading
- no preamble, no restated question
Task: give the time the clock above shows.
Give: 7:29
